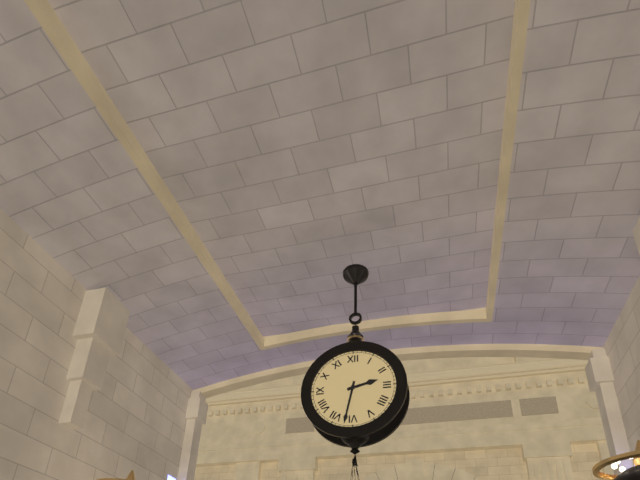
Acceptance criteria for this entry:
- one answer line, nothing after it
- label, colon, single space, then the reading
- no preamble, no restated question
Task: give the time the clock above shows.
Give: 2:32
